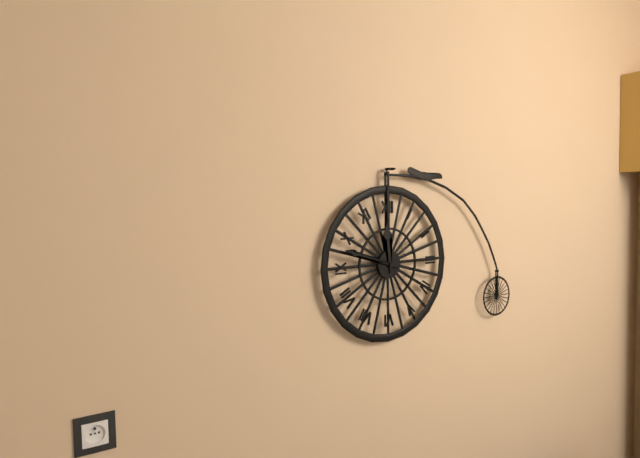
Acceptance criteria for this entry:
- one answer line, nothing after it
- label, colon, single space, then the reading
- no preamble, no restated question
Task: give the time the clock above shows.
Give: 11:48
